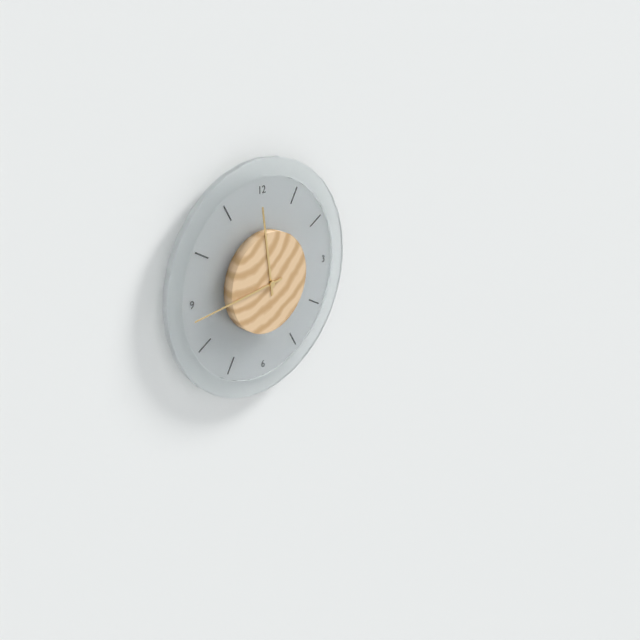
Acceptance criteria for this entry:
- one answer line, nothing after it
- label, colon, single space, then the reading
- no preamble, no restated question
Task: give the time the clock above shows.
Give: 11:44
